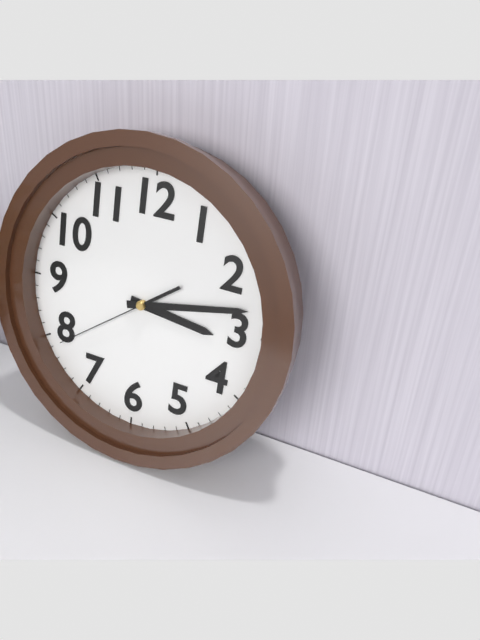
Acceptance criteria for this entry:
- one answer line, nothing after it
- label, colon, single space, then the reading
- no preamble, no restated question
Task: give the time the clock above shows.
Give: 3:13:39
